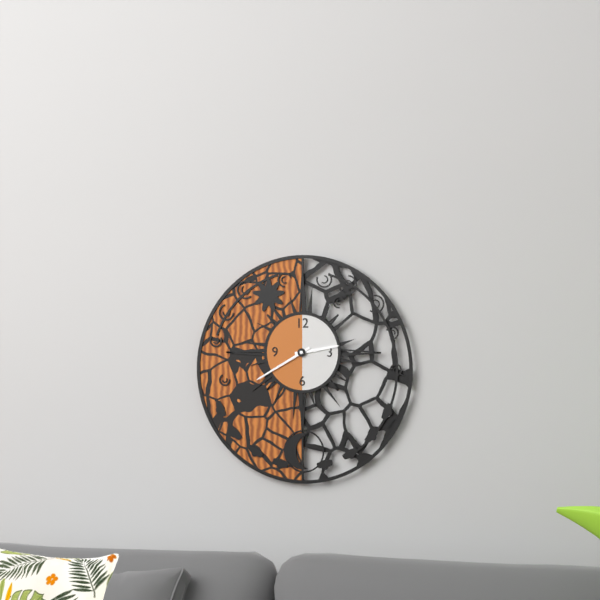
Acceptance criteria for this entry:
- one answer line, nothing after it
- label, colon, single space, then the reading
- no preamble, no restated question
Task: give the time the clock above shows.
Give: 2:40
